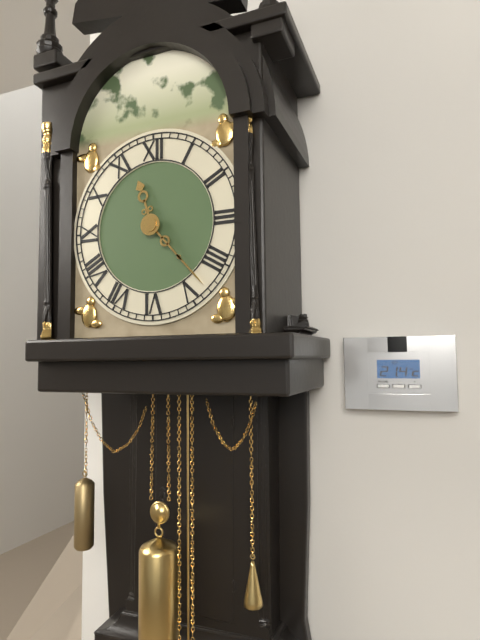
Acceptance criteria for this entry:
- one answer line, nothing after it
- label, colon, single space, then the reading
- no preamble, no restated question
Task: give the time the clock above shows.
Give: 11:23
